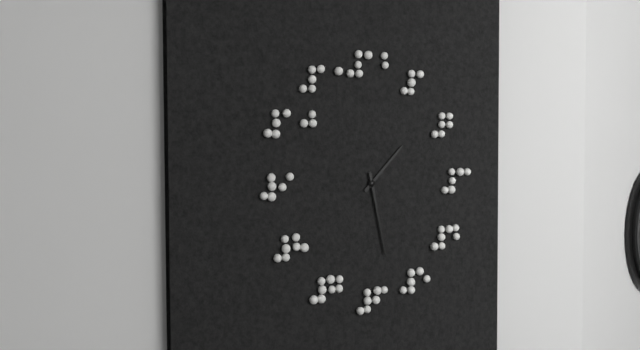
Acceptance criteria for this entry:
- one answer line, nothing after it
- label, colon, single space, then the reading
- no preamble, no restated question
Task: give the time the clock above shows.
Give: 1:28
